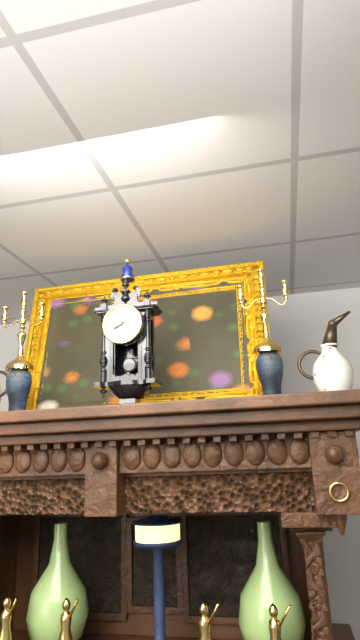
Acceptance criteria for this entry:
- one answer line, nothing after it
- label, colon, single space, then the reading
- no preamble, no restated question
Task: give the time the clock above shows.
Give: 8:00
